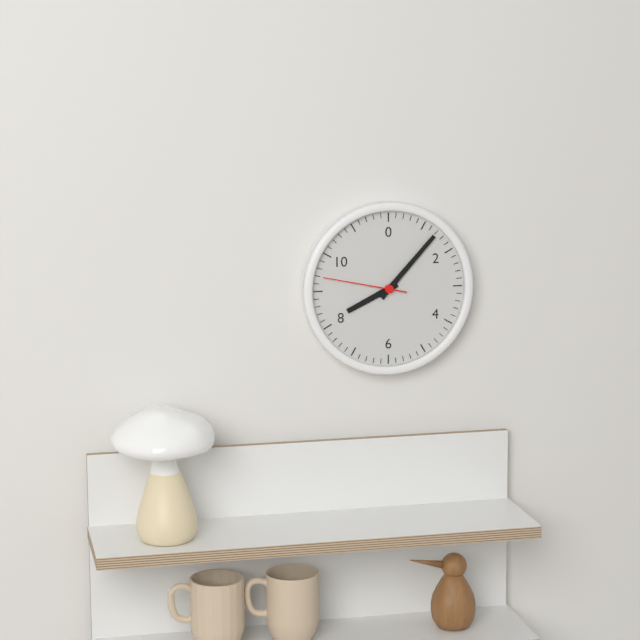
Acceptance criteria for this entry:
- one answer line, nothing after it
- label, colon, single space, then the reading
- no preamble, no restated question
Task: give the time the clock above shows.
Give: 8:07:47
